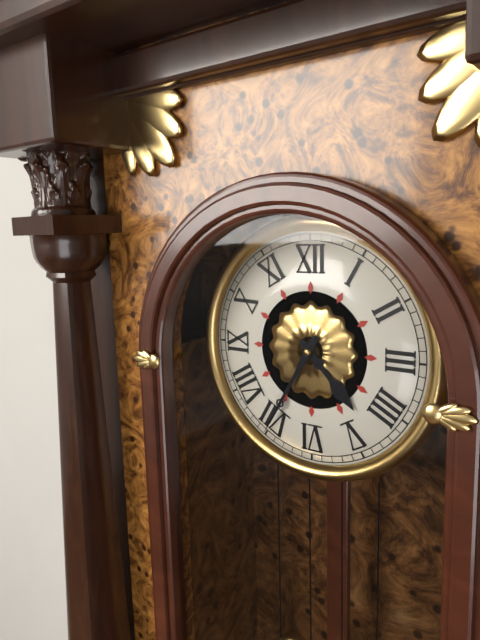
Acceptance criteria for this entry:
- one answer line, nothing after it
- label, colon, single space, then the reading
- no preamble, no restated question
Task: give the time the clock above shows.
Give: 4:35
